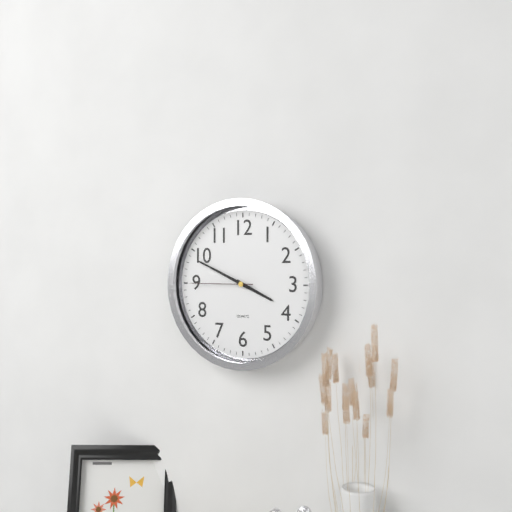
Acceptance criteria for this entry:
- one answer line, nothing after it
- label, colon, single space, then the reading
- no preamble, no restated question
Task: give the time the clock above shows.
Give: 3:49:45
